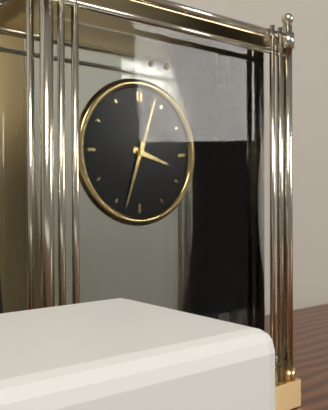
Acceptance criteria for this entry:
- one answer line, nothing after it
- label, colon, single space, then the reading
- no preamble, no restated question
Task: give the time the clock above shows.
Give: 3:33:03
